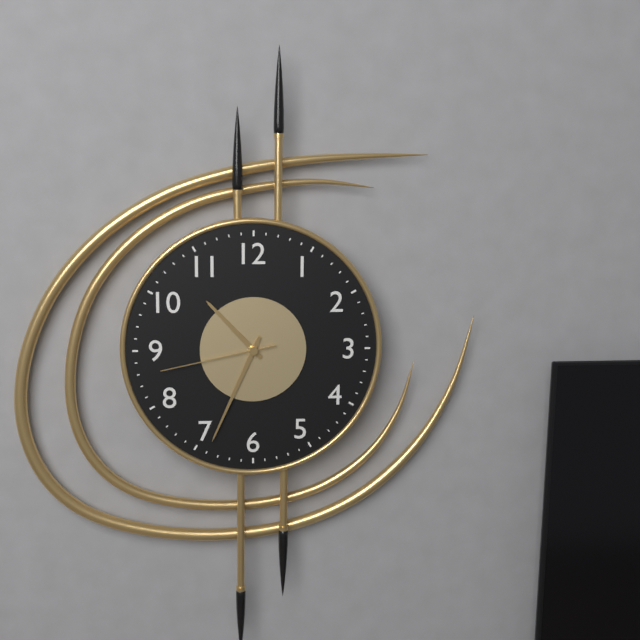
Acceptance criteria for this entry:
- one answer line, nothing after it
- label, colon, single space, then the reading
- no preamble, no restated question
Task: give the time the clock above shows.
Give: 10:34:43
